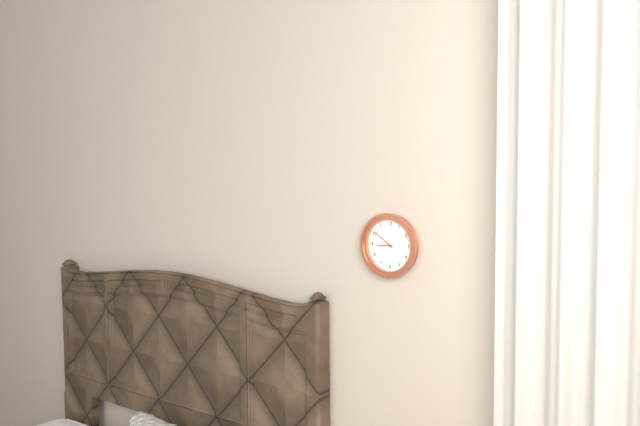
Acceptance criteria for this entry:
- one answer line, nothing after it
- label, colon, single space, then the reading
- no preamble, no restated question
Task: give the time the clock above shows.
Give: 8:51
